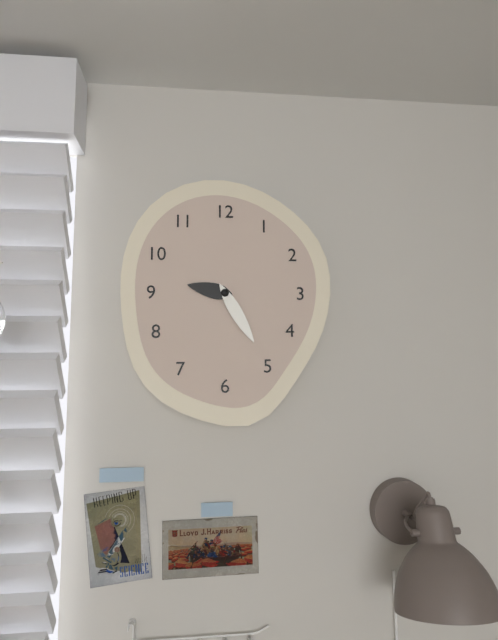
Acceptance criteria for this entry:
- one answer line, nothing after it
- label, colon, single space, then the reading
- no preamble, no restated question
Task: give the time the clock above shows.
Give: 9:25
